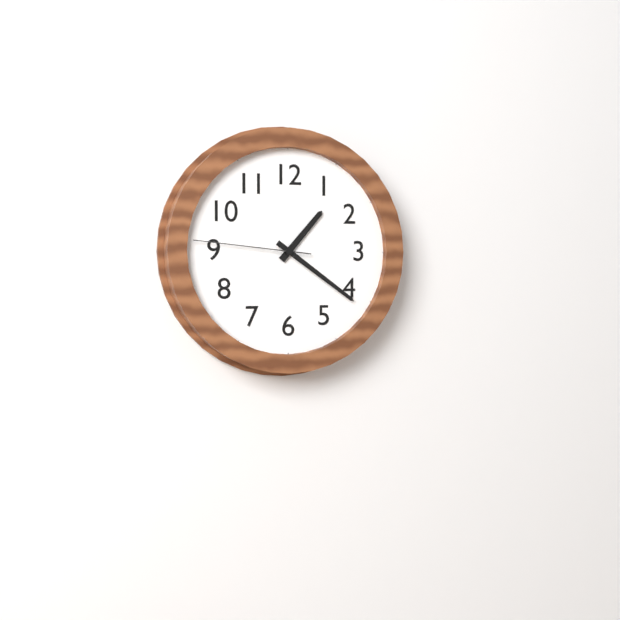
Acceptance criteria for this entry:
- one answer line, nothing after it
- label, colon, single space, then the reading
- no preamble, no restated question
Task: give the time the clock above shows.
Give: 1:21:46
